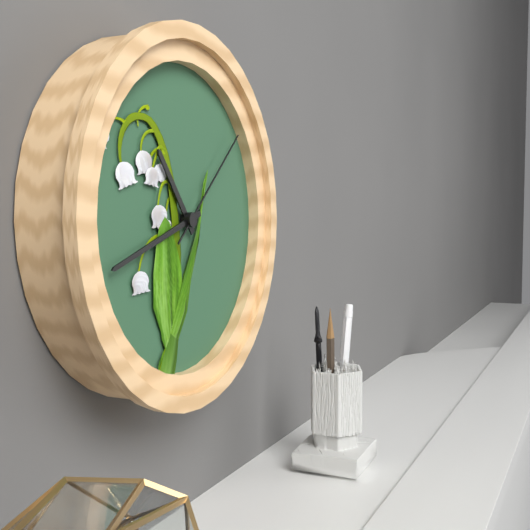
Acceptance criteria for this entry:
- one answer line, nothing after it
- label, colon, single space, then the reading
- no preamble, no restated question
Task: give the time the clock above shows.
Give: 10:42:08
